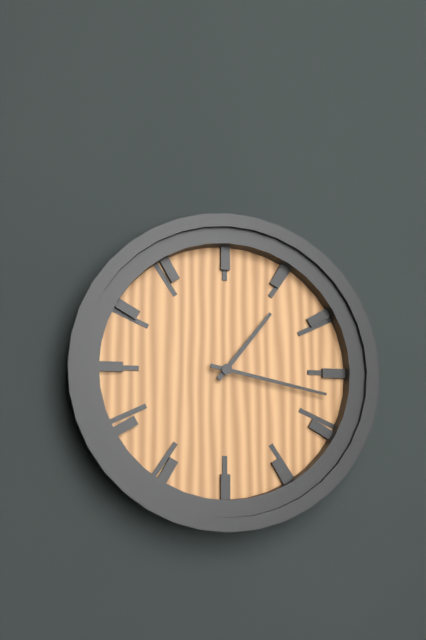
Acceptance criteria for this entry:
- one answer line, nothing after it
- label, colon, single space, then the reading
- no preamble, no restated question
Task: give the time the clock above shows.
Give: 1:17
